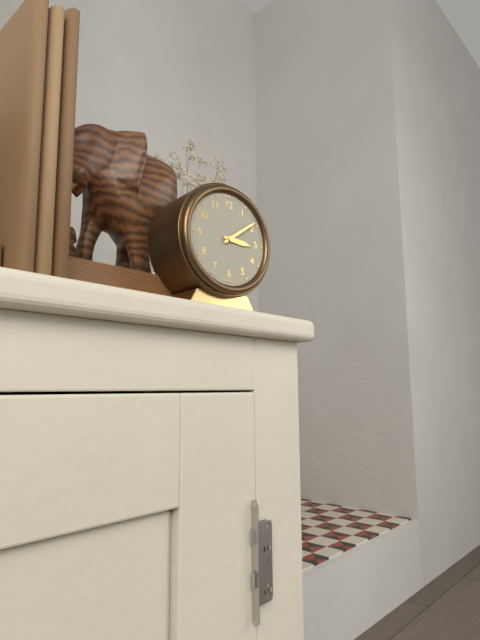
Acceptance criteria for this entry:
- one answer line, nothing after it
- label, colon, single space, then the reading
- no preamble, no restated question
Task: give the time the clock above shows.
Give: 3:09
